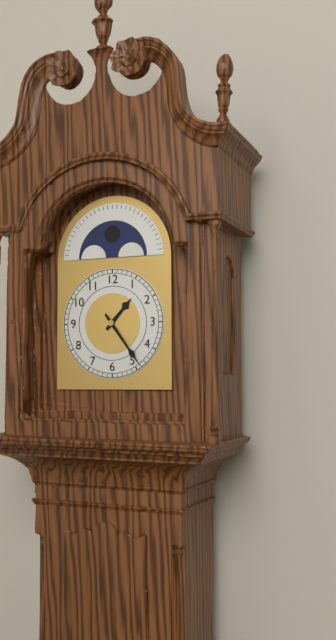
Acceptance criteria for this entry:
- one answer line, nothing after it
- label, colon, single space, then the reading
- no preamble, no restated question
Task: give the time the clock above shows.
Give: 1:24
